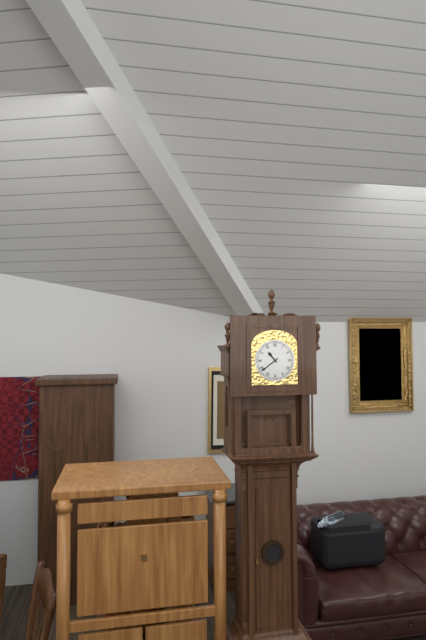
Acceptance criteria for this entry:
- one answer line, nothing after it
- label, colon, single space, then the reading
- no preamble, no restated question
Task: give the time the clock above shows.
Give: 10:39
